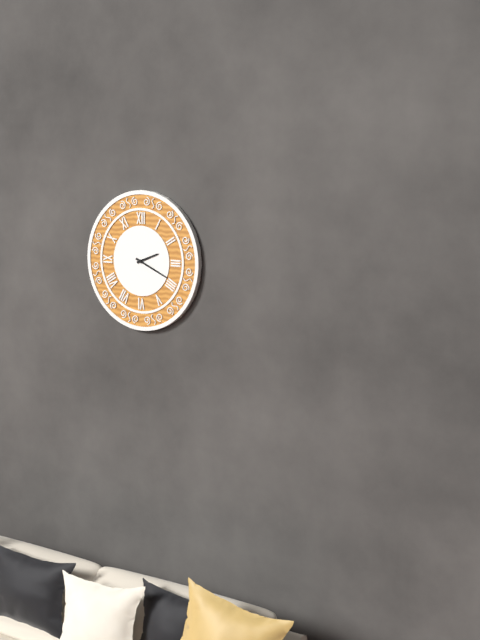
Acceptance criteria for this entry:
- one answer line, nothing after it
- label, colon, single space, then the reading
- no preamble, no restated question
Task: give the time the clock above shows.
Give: 2:19
